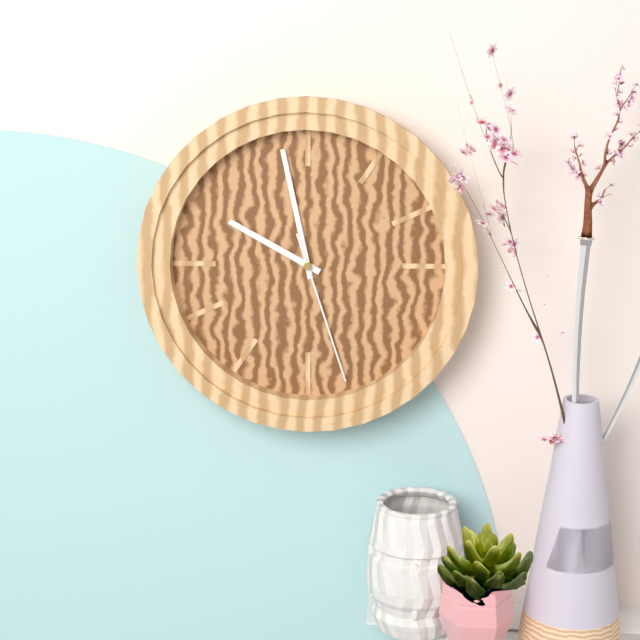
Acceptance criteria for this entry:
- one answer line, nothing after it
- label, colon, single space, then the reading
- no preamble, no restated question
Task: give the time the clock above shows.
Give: 9:58:27
